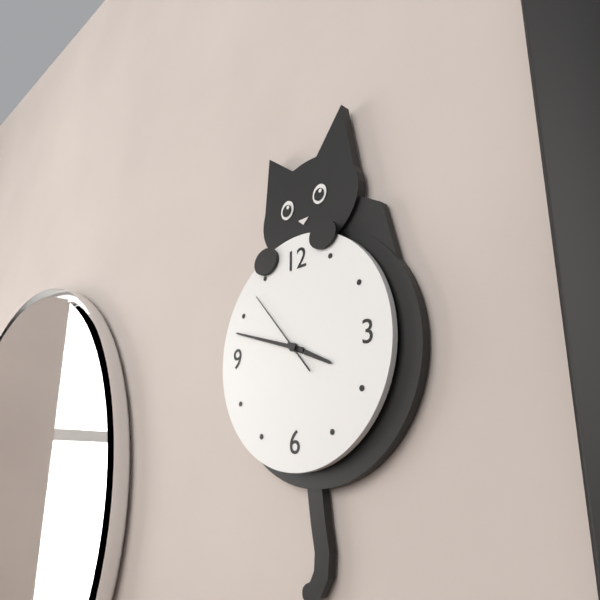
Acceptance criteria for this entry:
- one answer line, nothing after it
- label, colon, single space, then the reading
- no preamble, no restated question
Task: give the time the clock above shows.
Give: 3:48:53
